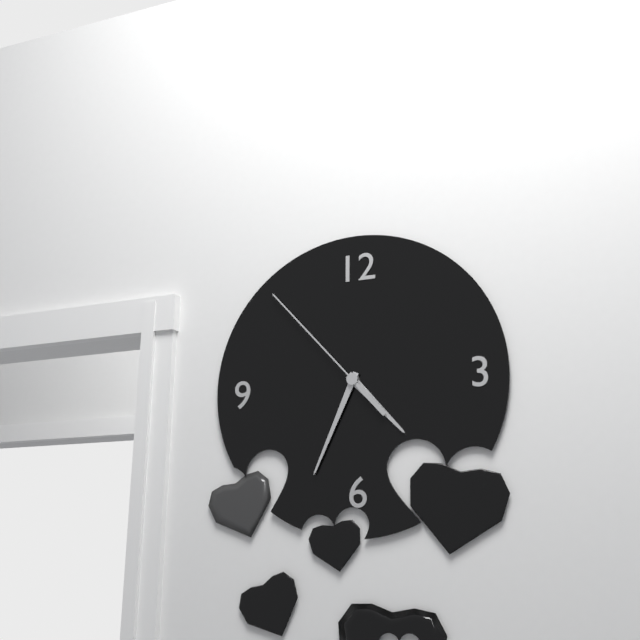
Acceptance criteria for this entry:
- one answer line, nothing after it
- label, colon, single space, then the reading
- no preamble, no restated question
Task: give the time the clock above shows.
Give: 4:34:53
